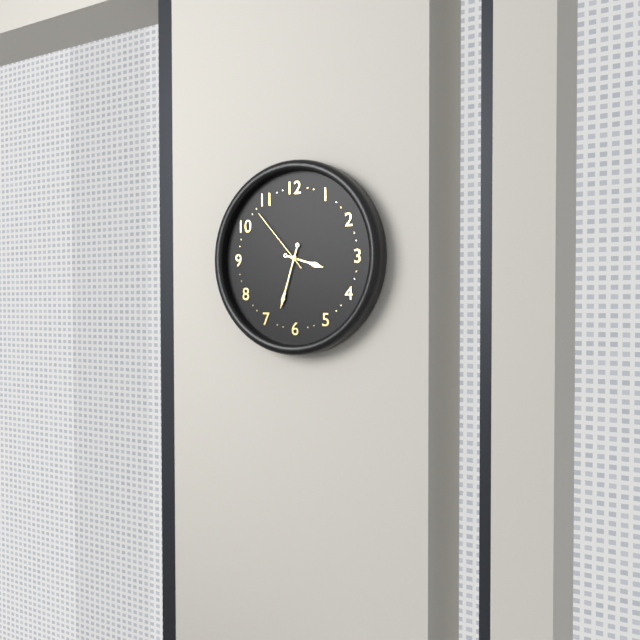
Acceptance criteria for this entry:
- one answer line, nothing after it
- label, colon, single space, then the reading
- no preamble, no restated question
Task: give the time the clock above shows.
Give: 3:33:53
